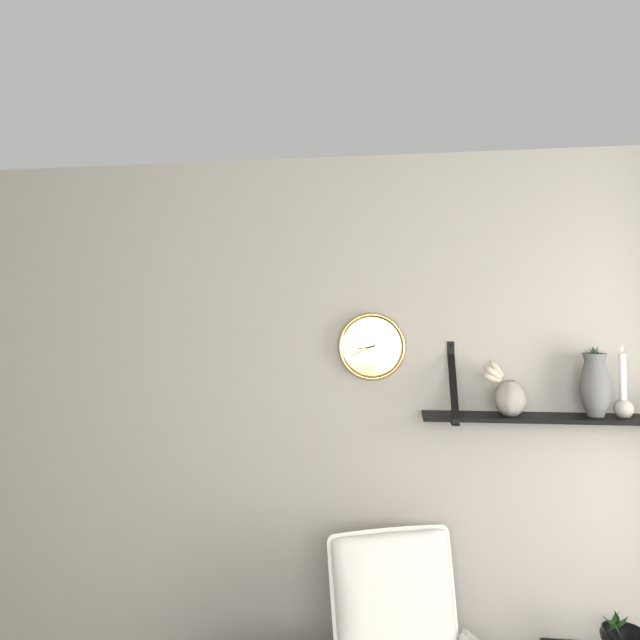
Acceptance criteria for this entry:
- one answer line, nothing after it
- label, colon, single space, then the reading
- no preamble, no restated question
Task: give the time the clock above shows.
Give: 8:41
